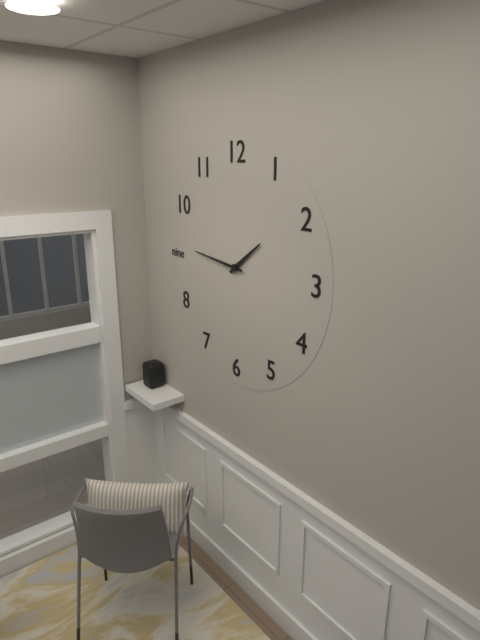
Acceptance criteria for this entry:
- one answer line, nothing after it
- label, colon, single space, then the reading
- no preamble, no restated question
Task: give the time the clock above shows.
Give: 1:46
